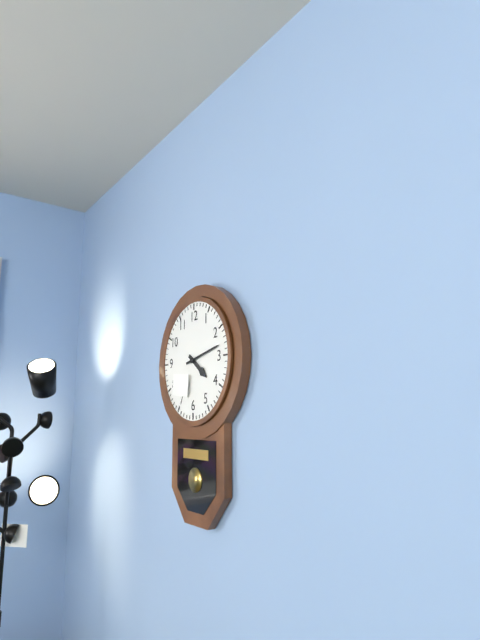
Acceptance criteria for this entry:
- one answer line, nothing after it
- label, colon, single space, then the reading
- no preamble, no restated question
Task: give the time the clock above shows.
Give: 4:13
